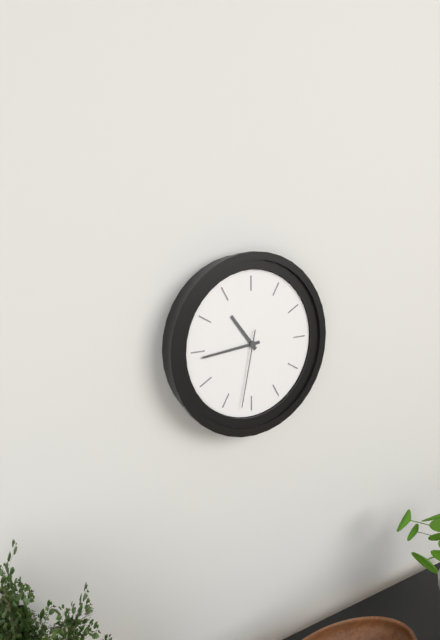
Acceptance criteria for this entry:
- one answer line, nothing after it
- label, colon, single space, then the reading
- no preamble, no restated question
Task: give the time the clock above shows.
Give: 10:44:32
